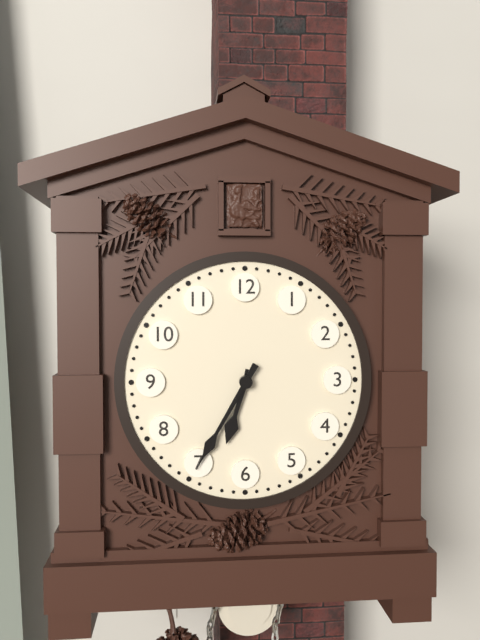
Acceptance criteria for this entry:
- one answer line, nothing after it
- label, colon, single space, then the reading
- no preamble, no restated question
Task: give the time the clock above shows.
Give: 6:35
